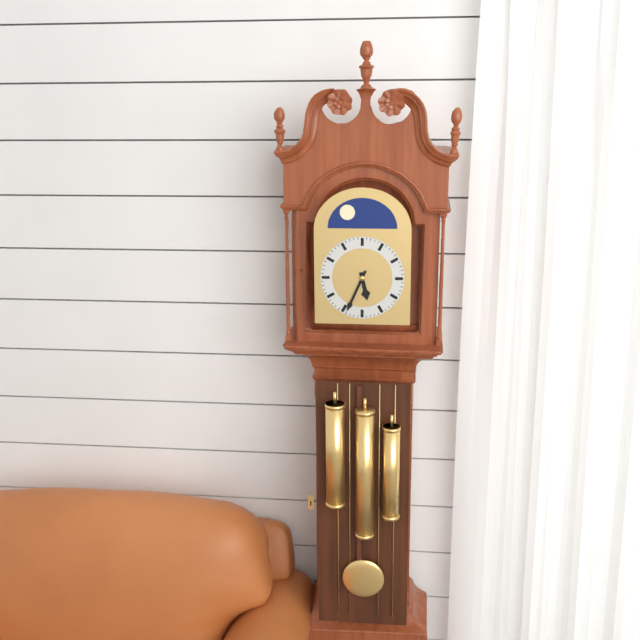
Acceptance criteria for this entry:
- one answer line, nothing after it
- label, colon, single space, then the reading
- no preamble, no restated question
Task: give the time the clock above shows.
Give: 5:34
